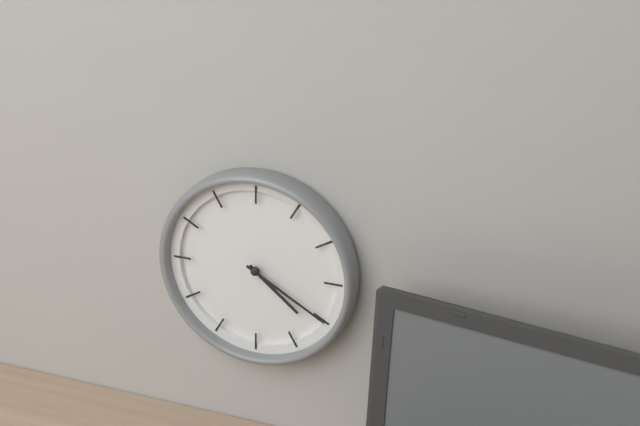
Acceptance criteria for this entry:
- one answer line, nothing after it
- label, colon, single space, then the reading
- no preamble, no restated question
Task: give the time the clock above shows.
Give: 4:20
